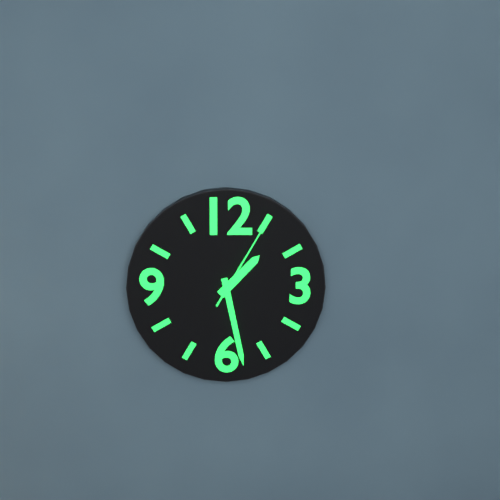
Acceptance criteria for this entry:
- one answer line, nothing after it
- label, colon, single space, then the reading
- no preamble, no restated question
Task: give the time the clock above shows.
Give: 1:28:05
